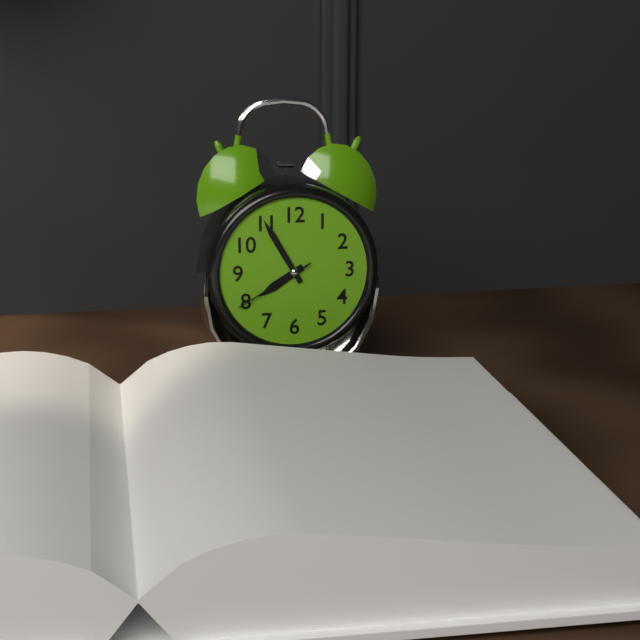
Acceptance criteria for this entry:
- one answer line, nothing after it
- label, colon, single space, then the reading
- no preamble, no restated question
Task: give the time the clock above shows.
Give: 7:55:40
